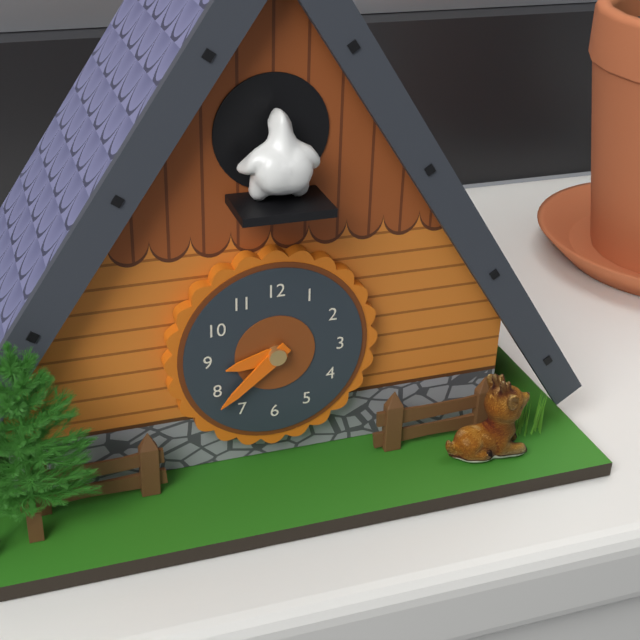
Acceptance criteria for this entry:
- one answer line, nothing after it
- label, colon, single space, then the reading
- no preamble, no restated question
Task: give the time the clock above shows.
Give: 8:38
